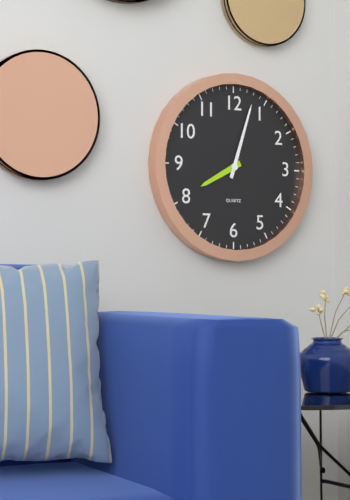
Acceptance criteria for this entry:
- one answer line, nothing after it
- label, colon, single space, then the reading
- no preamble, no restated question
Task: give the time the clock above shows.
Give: 8:03
